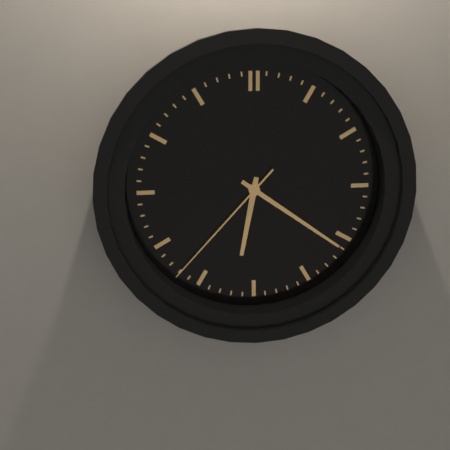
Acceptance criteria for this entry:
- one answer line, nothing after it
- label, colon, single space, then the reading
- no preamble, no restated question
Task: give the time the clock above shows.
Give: 6:21:37
